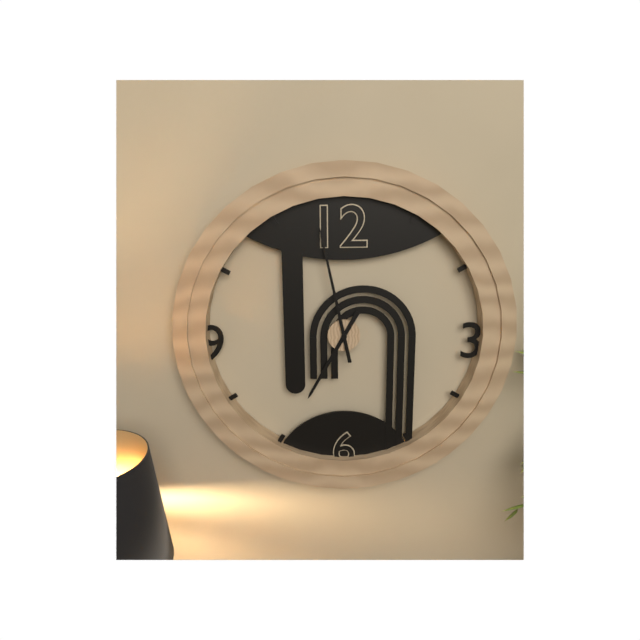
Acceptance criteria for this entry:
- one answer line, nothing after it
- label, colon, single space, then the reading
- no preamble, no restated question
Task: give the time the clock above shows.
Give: 6:58
